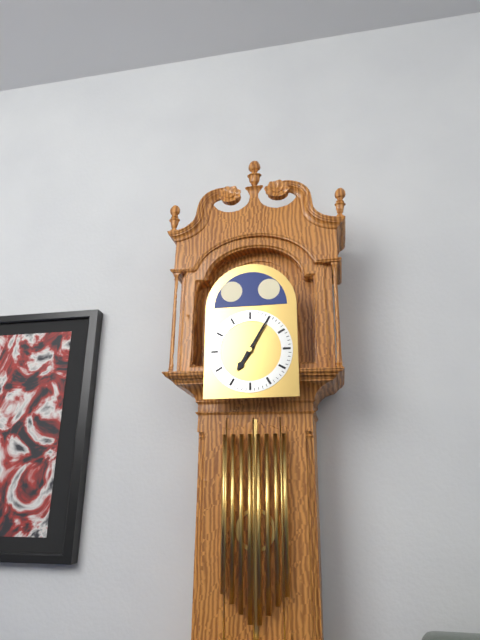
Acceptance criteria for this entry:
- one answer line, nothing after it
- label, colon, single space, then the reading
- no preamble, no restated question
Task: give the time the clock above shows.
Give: 7:05
